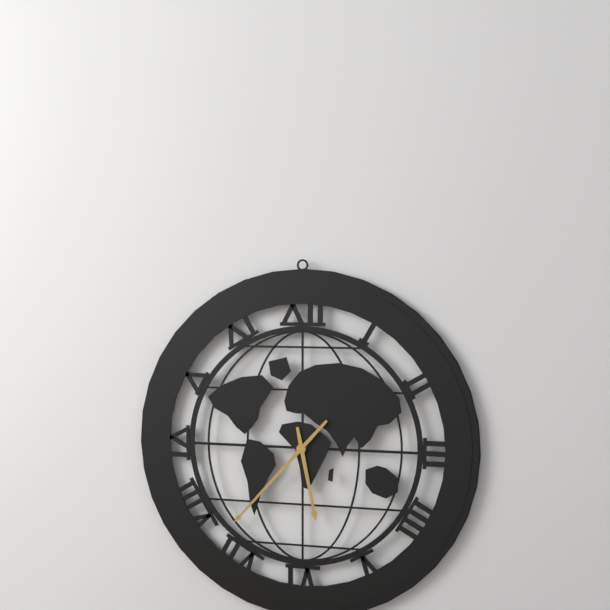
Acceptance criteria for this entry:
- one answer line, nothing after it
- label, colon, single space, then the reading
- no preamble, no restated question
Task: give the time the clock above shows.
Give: 5:37
